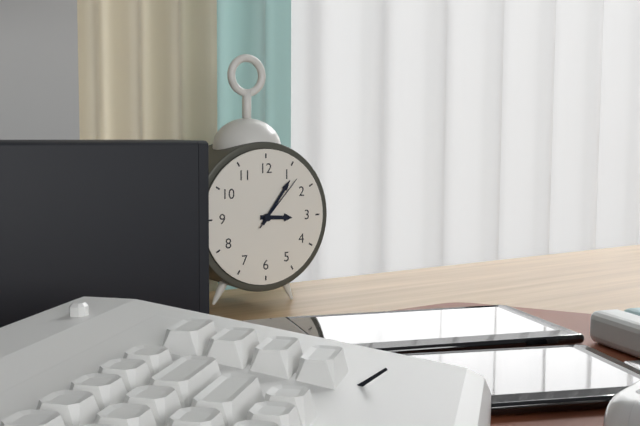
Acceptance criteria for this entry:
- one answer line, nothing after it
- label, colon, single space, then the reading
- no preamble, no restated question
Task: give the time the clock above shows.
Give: 3:06:07
